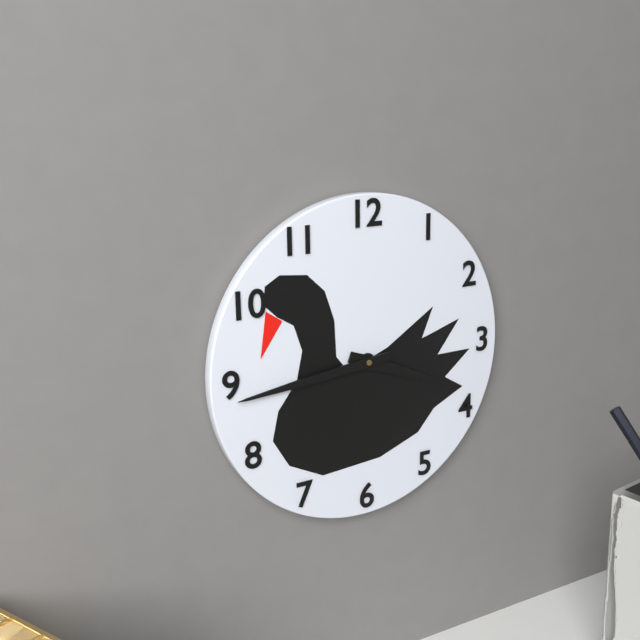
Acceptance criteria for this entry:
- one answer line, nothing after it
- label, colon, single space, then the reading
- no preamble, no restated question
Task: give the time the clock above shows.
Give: 3:44
